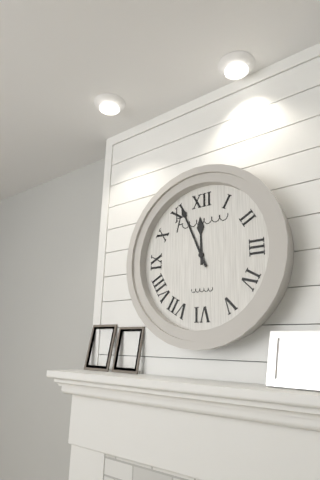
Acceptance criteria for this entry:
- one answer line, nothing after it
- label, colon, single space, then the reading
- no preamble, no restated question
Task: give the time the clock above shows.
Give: 11:56
